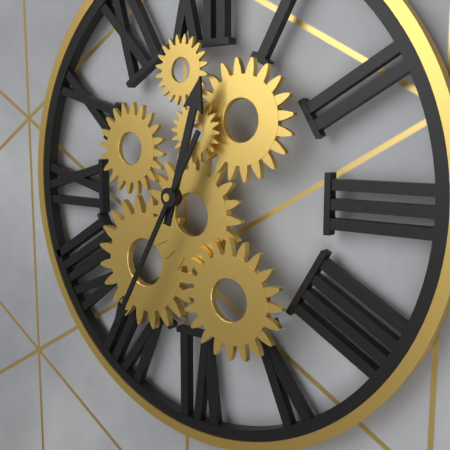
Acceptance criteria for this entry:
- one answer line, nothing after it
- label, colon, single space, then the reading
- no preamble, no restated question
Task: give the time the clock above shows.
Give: 12:35
